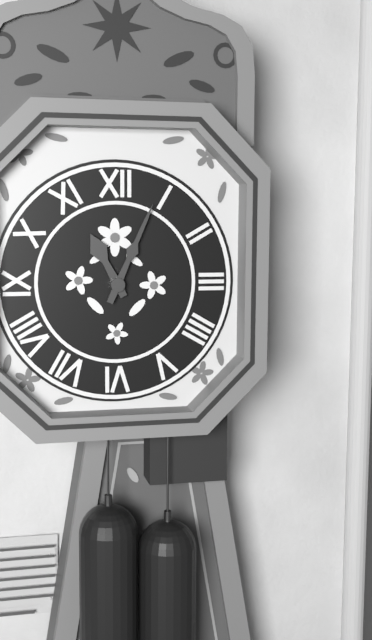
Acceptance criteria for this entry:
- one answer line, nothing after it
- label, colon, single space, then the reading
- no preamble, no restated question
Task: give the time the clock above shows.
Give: 11:04
